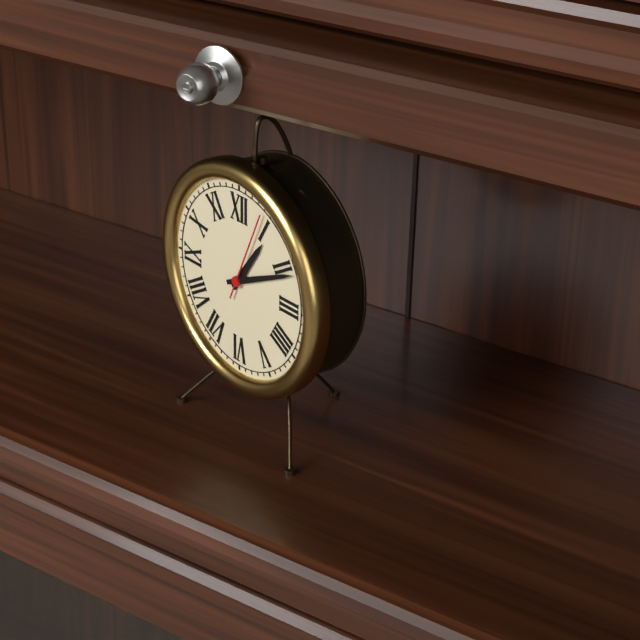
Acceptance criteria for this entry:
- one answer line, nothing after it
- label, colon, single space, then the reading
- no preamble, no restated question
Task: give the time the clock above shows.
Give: 1:11:04
